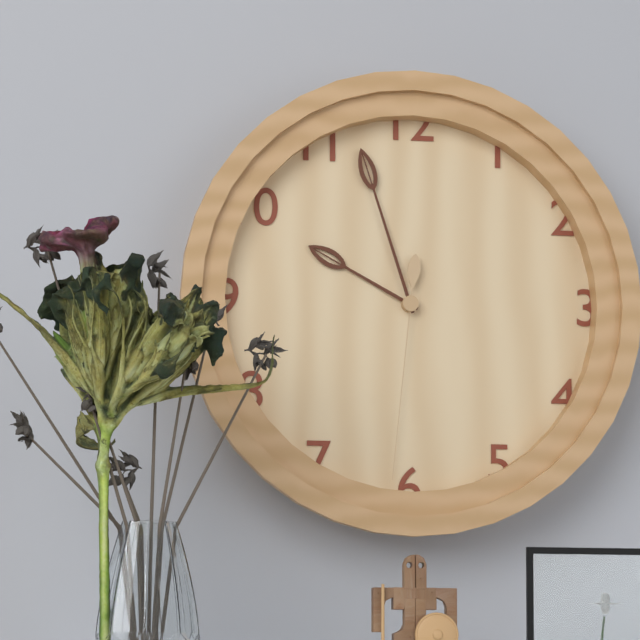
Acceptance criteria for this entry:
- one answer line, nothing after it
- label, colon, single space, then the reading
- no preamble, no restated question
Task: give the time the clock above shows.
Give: 9:57:31
